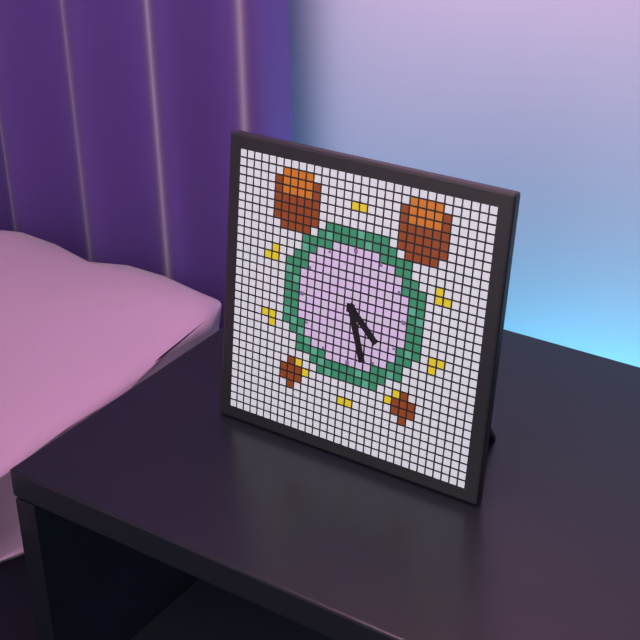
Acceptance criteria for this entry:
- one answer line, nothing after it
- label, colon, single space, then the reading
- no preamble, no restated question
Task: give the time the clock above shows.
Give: 4:27
